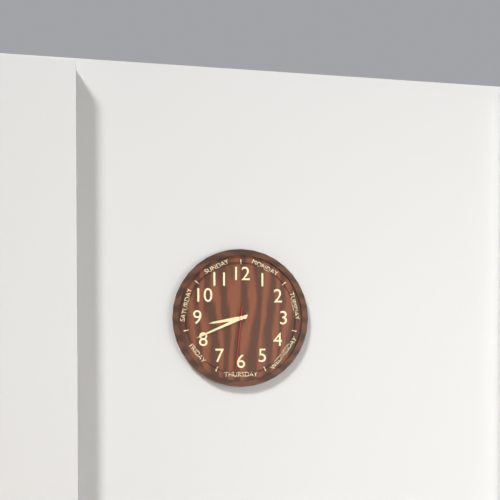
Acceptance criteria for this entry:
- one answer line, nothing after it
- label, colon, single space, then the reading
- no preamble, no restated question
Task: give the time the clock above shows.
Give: 8:41:31
